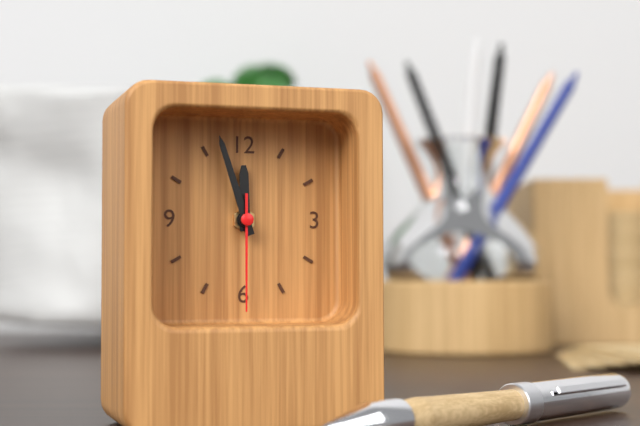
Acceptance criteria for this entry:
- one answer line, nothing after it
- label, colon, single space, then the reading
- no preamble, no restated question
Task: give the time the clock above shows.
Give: 11:57:30
